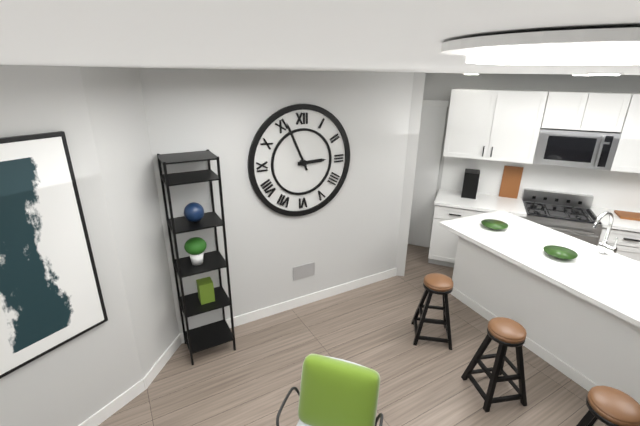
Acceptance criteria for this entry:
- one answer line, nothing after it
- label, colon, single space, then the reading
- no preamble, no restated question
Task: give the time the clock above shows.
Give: 2:56
